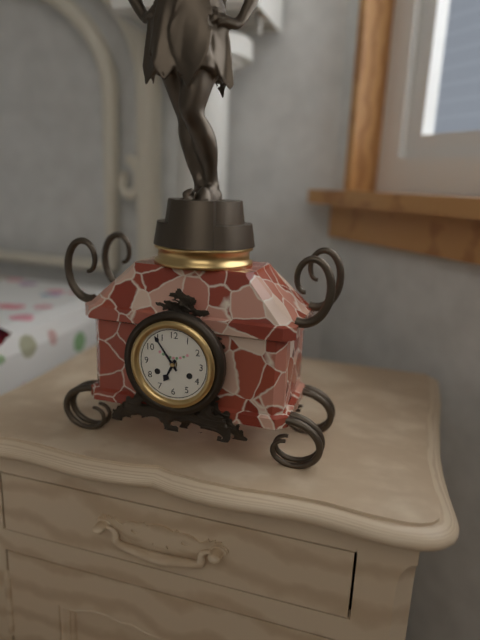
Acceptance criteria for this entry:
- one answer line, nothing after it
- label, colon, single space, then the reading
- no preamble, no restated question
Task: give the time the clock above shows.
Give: 6:54
